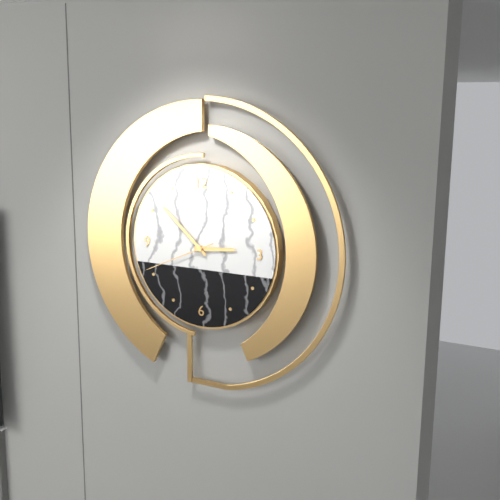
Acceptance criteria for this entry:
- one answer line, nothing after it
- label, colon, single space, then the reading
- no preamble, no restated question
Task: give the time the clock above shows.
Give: 2:52:41
